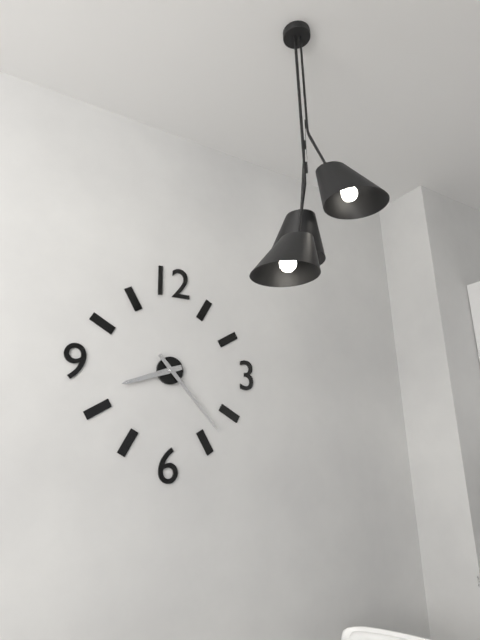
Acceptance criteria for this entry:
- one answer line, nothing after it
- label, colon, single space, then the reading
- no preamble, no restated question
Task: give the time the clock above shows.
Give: 8:23
